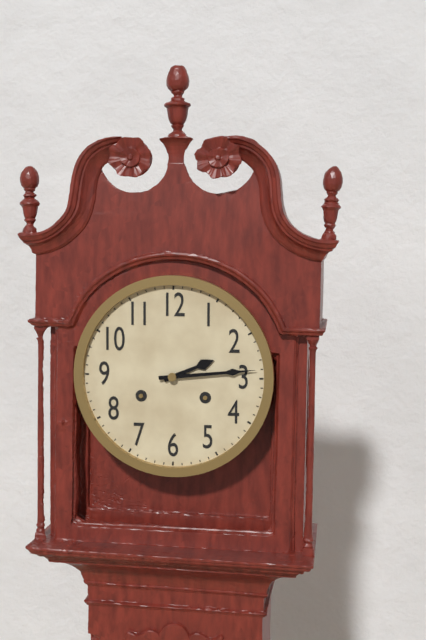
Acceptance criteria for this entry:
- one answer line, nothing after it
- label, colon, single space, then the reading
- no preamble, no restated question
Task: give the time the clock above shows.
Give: 2:14
